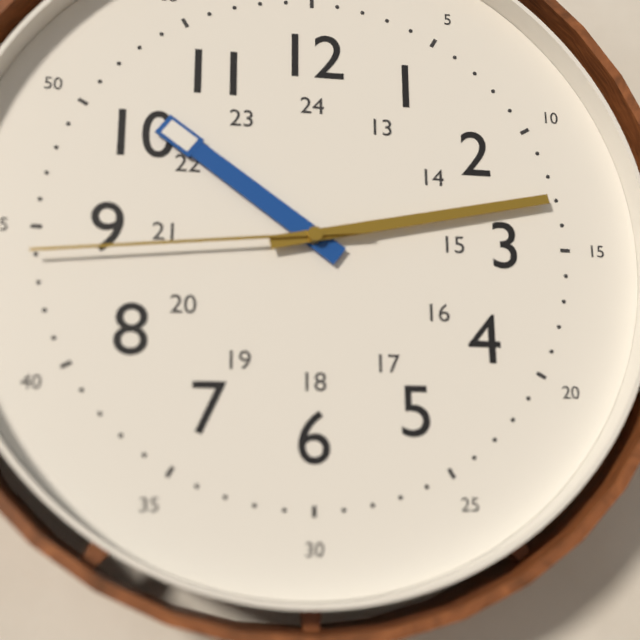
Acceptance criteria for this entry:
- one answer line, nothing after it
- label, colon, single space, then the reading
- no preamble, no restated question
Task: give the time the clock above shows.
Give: 10:13:44
